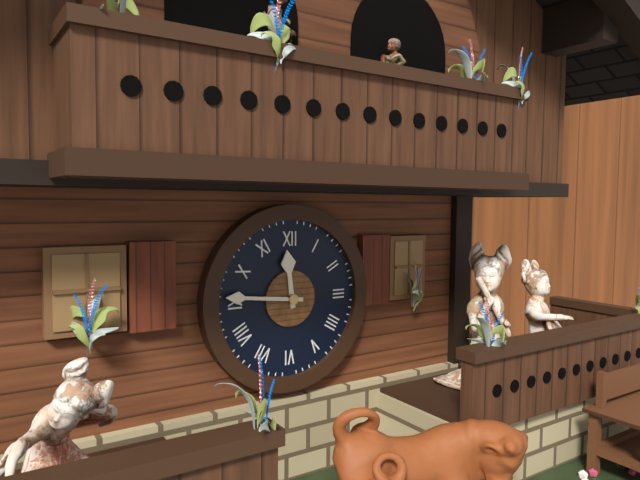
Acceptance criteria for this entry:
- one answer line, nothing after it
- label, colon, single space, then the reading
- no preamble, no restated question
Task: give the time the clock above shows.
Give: 11:46
